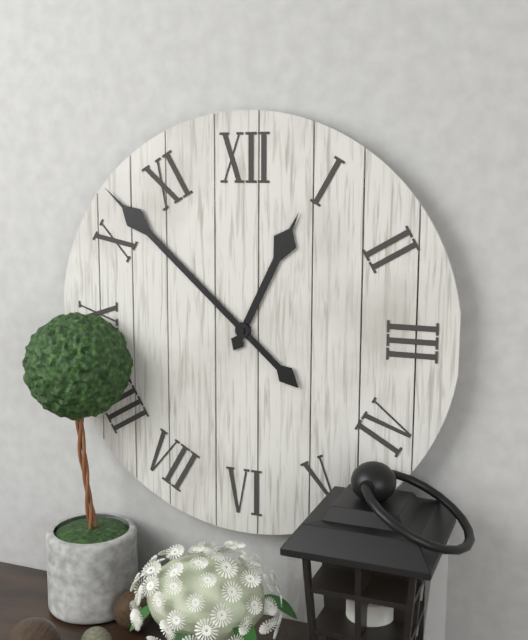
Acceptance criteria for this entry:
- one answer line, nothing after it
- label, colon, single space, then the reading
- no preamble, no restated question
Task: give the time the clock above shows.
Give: 12:52
